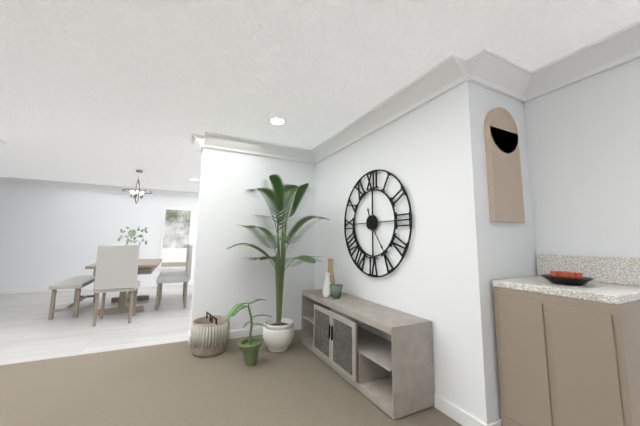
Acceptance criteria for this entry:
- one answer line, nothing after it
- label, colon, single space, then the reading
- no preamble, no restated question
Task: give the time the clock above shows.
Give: 11:24
